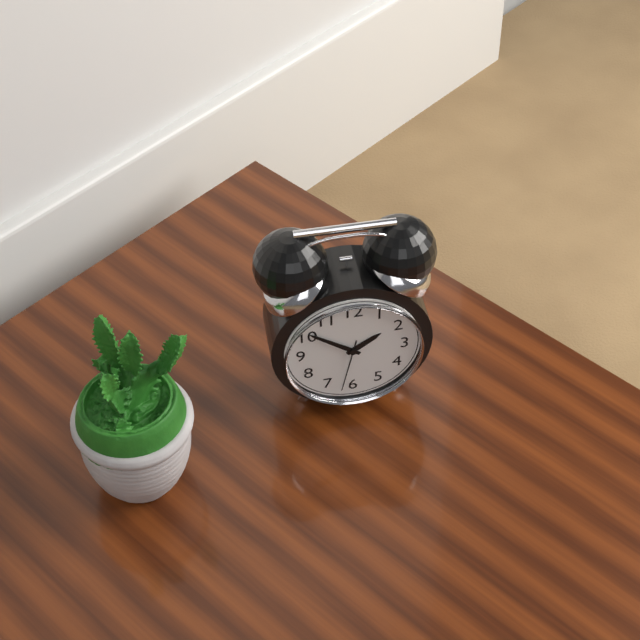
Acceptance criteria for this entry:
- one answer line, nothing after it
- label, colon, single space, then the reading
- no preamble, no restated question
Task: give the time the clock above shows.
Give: 1:51:32
